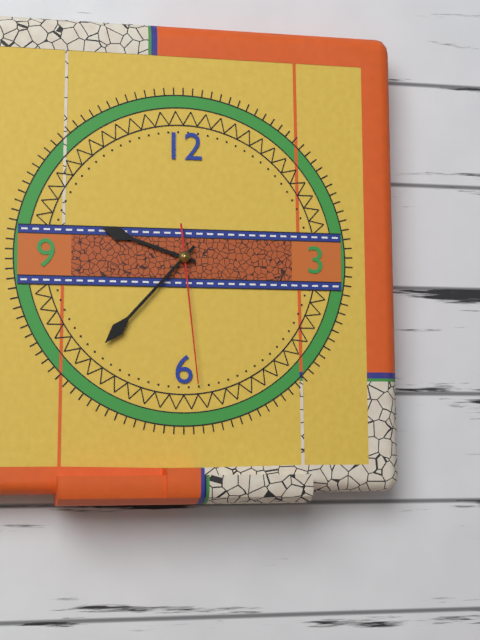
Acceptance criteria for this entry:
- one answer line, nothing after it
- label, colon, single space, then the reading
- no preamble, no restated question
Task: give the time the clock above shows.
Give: 9:37:29
